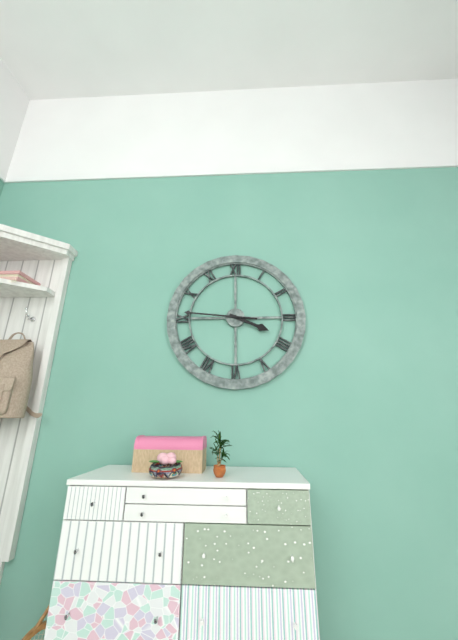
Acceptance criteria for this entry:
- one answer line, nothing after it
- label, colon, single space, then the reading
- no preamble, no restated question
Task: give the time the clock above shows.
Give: 3:46
